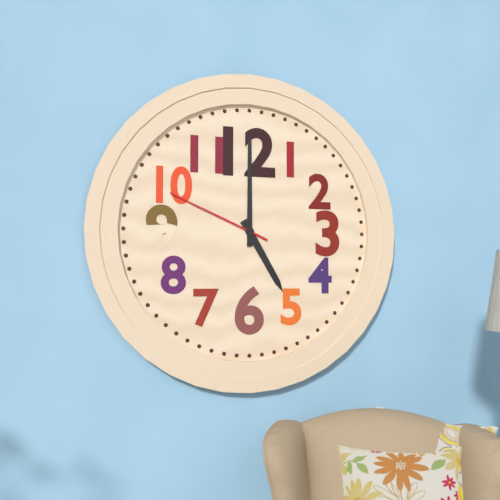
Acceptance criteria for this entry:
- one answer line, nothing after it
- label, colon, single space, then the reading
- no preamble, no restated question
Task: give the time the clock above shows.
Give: 5:00:49
